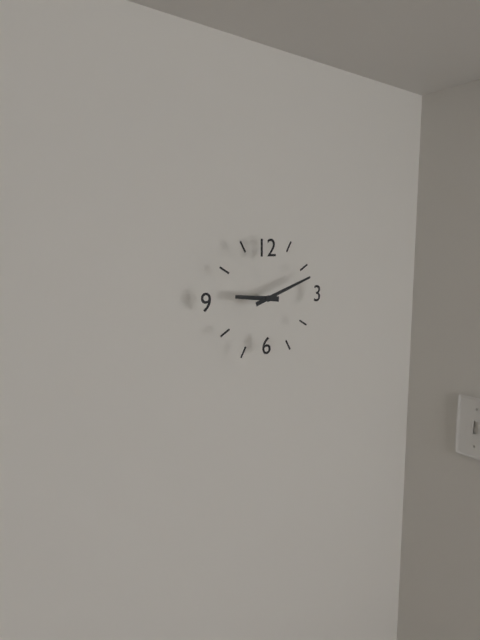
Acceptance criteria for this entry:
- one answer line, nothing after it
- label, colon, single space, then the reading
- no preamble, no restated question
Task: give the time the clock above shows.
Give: 9:12
